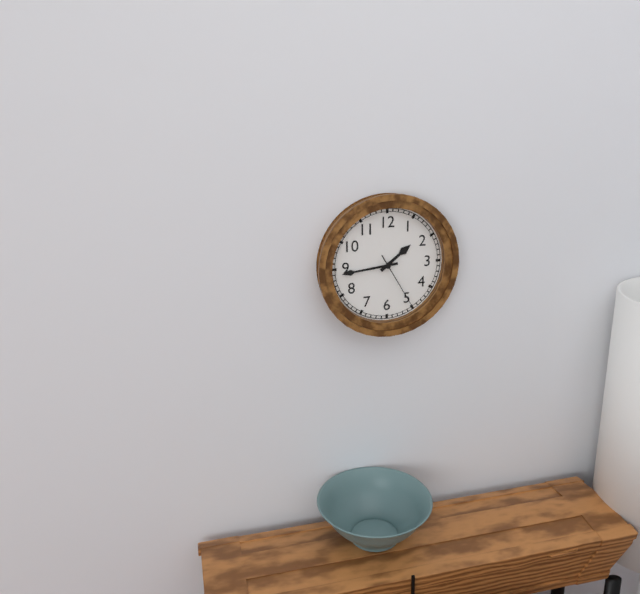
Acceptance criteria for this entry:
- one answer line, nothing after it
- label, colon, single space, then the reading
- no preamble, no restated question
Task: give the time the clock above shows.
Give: 1:44:25
